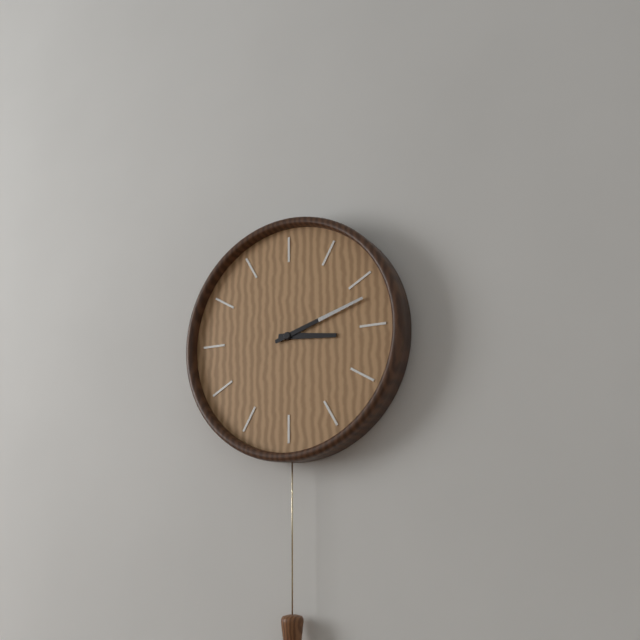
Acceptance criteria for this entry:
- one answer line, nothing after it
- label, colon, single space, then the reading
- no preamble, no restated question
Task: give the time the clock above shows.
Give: 3:12
